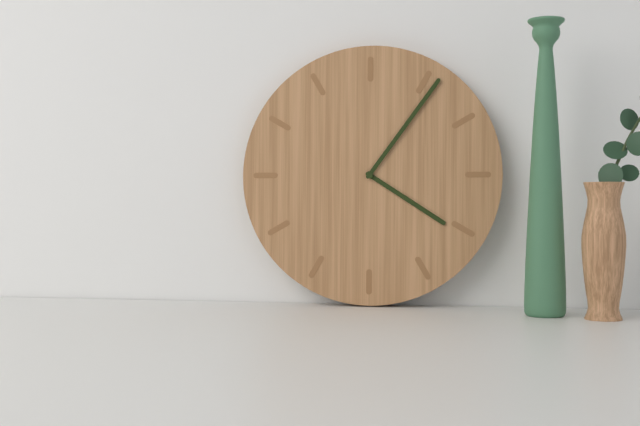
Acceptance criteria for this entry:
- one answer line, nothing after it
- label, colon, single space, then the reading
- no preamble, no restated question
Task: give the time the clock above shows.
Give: 4:06
